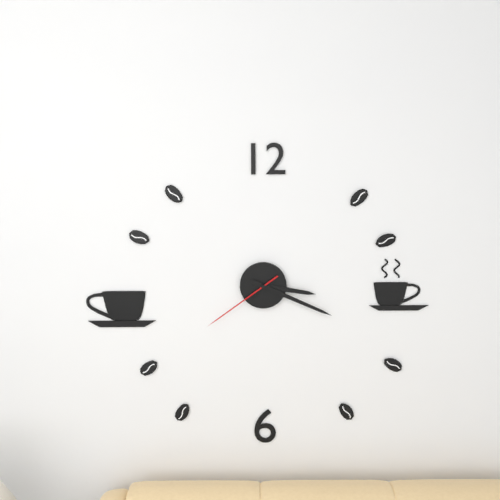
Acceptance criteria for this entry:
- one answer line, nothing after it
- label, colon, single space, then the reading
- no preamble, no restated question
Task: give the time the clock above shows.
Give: 3:19:39
